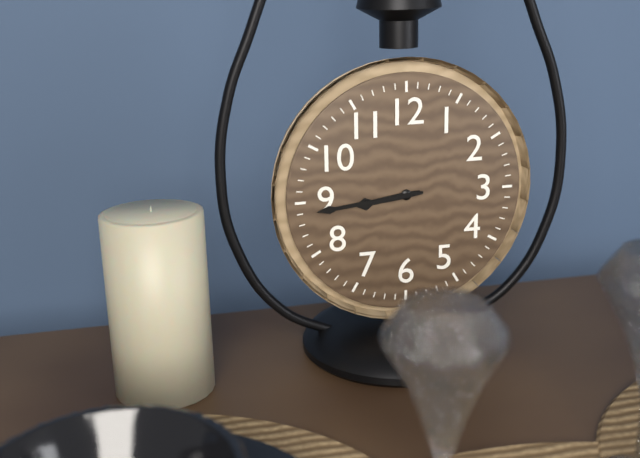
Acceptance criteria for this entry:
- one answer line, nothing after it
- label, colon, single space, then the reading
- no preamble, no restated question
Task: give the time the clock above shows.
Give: 8:44
